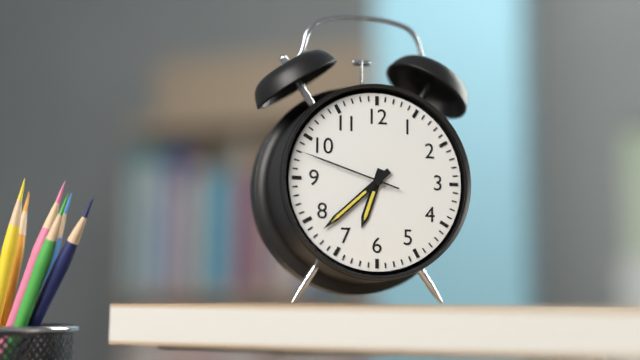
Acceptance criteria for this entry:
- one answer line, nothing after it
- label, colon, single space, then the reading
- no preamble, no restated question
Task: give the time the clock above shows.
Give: 6:38:48
